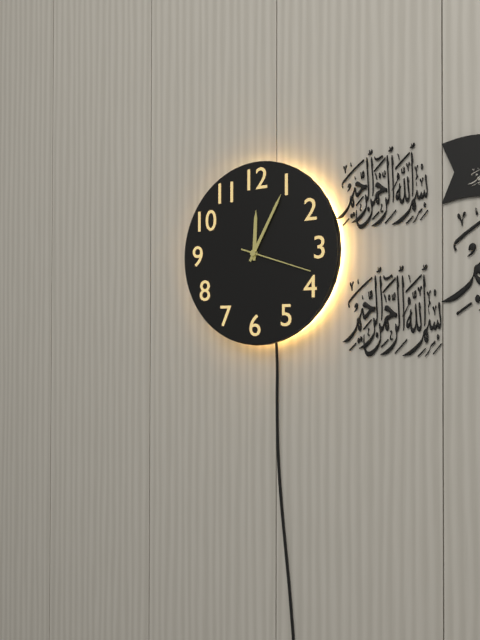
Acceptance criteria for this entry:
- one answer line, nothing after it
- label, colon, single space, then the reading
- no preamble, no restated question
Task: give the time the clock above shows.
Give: 12:05:18
